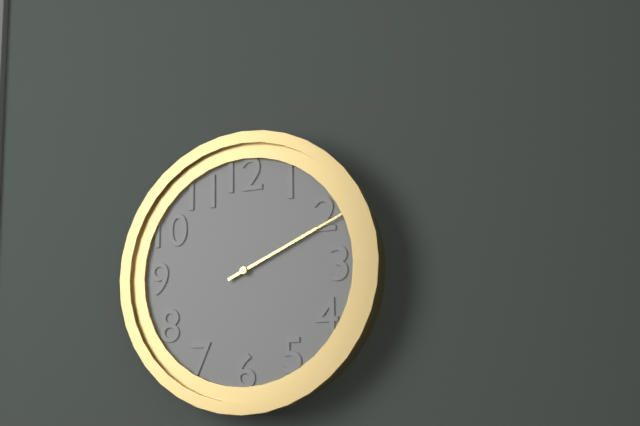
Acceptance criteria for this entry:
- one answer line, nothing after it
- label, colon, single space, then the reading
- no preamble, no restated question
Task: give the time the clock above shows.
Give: 2:11
